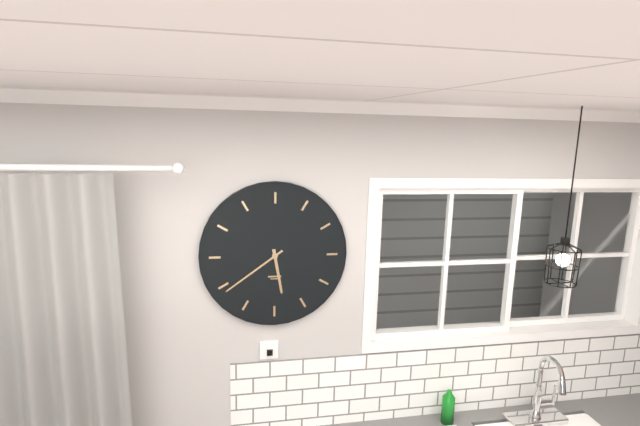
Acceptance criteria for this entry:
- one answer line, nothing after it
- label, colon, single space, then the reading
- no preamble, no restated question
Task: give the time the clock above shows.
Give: 5:39
